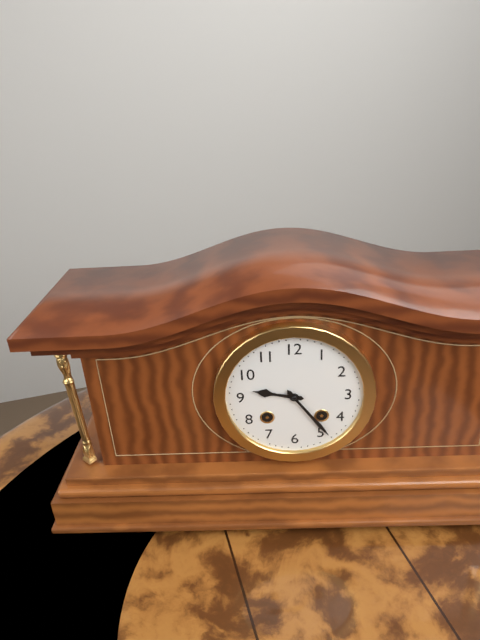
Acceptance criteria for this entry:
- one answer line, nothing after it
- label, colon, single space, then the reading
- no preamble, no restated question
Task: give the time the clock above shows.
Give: 9:24
